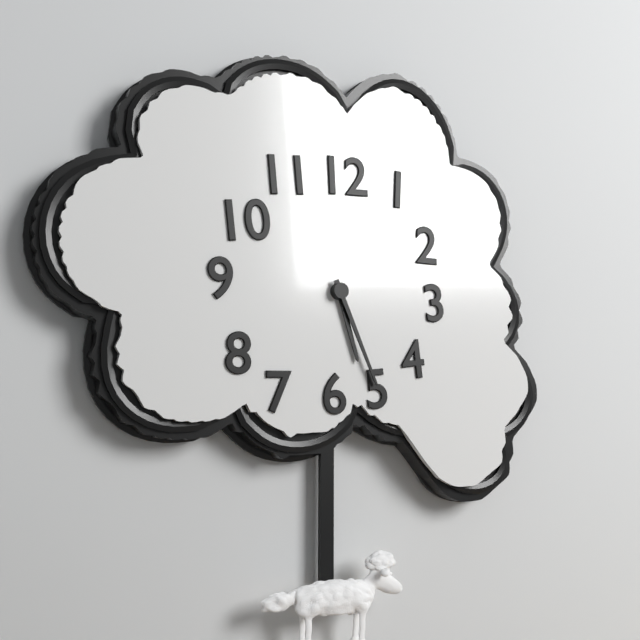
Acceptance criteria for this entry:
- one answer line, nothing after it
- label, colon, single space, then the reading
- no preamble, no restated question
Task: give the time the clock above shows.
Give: 5:26
